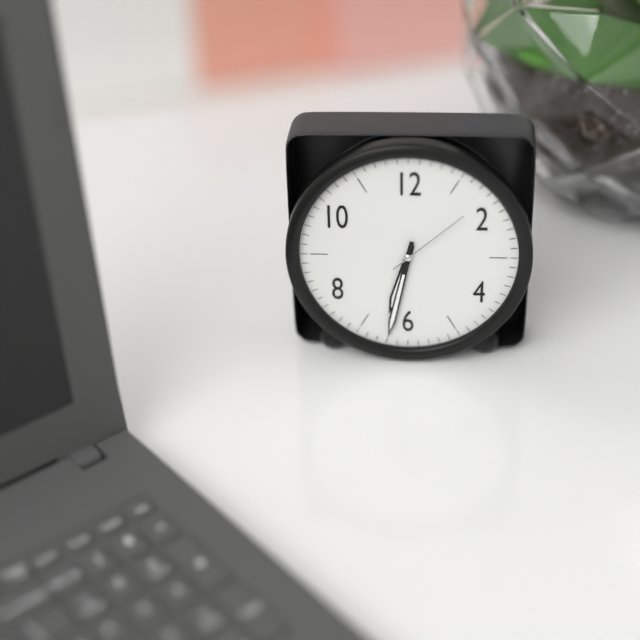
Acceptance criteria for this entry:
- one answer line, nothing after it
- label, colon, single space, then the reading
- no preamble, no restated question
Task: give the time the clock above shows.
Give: 6:32:08
